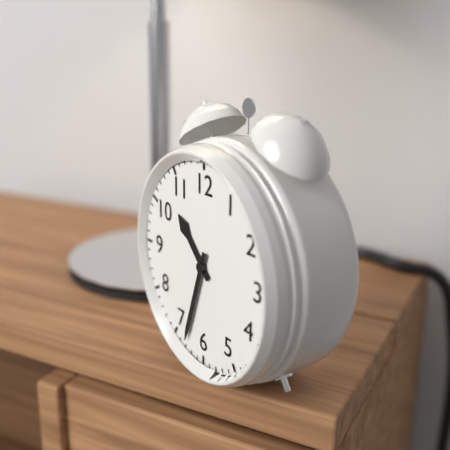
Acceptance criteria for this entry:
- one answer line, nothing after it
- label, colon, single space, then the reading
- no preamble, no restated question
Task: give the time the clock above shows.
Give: 10:33
